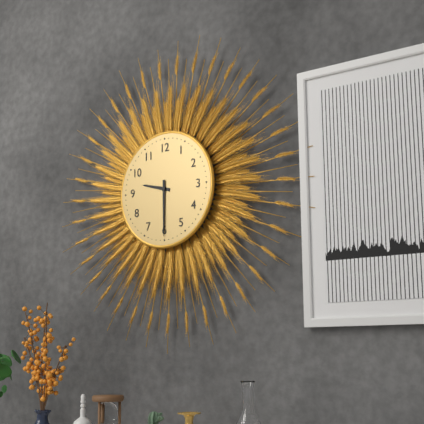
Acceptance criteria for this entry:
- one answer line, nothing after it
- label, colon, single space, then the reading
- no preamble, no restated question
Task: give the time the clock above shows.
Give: 9:30
